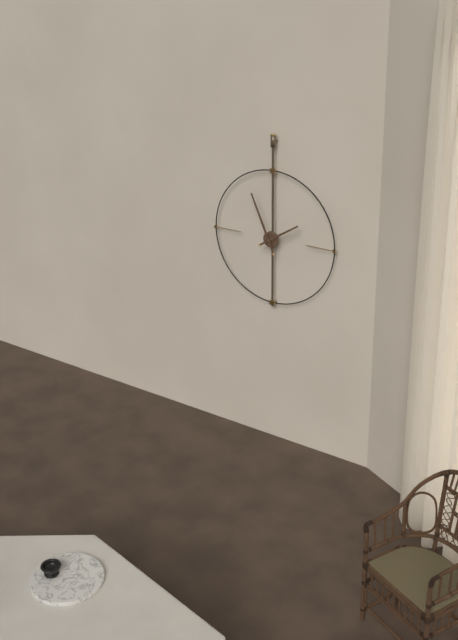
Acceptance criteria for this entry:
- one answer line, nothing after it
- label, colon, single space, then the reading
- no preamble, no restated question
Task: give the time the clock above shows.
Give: 1:56
